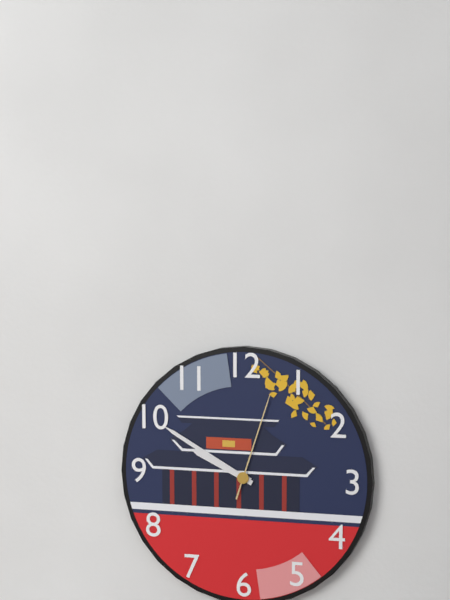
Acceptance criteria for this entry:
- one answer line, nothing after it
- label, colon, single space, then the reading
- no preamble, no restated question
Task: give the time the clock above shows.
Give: 9:50:03
